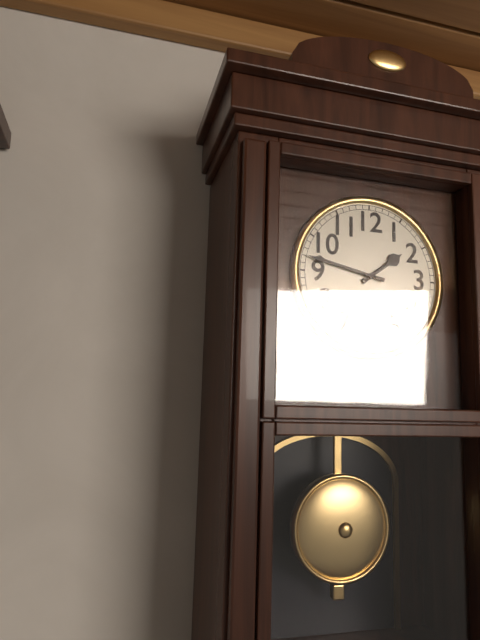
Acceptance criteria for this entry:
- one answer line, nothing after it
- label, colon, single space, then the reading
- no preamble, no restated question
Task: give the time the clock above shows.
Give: 1:47
